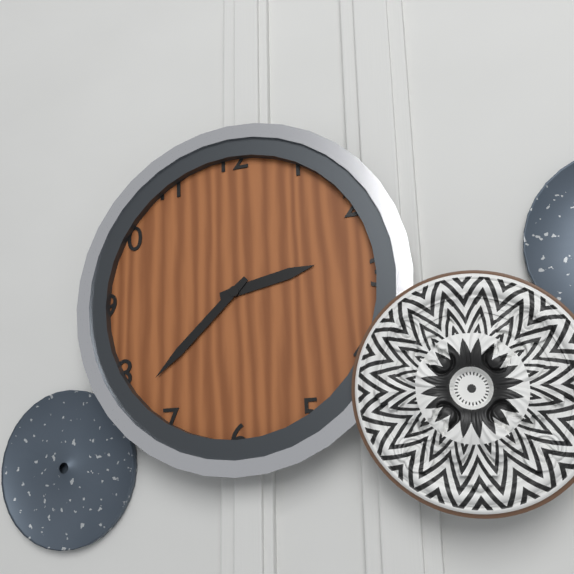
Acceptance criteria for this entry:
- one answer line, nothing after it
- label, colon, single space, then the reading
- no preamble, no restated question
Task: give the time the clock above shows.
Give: 2:38
